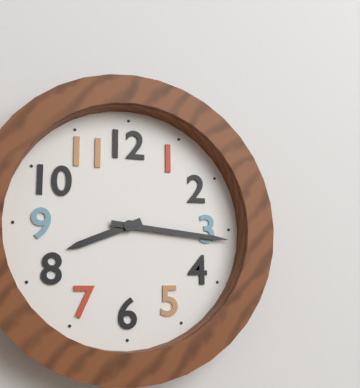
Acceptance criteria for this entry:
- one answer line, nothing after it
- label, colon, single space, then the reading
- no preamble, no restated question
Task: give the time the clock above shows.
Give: 8:16
